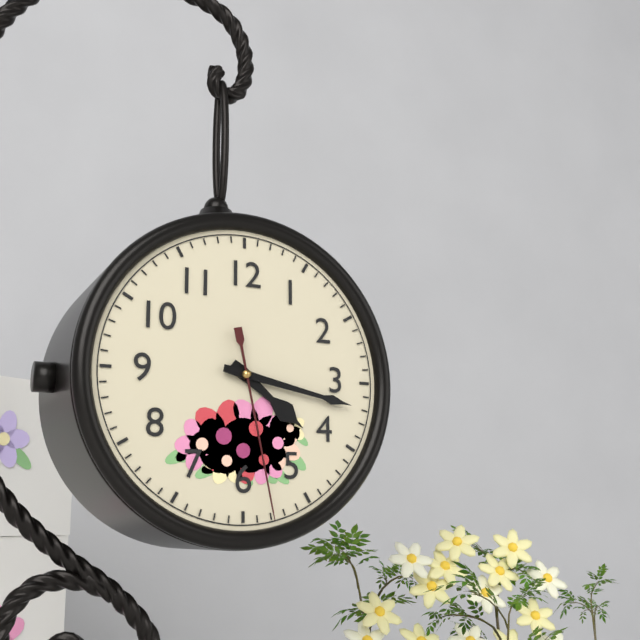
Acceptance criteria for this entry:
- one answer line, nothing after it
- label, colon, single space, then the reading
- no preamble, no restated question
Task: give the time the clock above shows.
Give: 4:17:28
